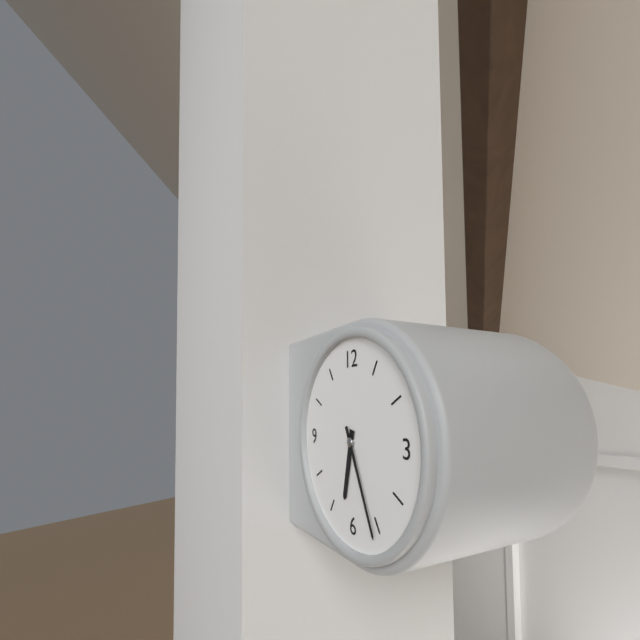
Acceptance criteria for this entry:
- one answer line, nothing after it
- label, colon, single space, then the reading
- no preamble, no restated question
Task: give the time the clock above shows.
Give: 6:26
